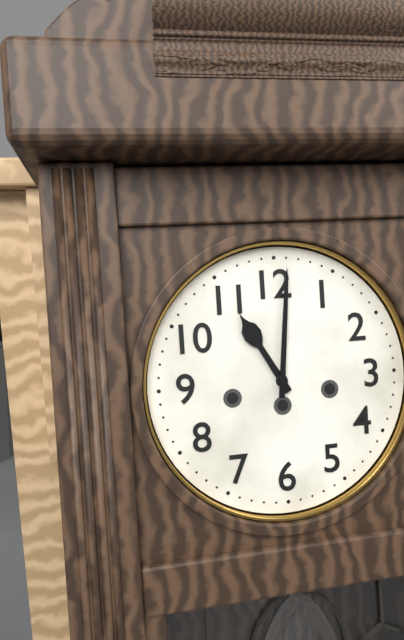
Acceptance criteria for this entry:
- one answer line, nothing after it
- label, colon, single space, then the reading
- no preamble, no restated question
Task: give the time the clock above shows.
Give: 11:01
